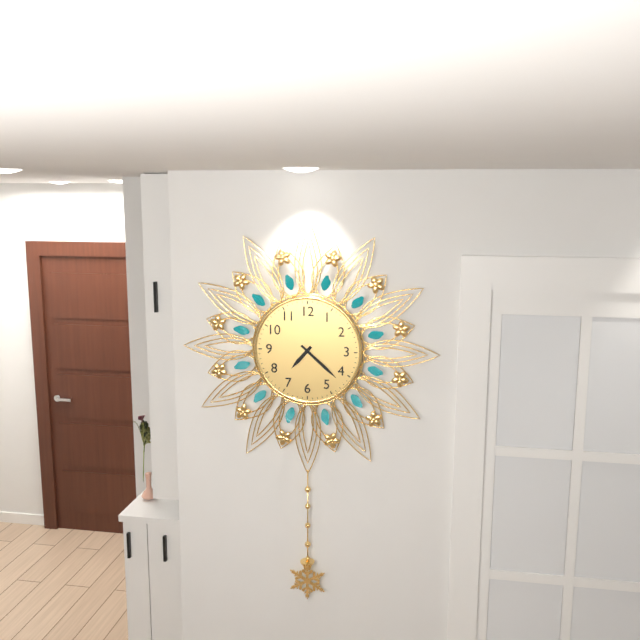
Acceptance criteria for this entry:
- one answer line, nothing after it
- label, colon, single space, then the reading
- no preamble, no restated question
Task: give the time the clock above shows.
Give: 7:22
